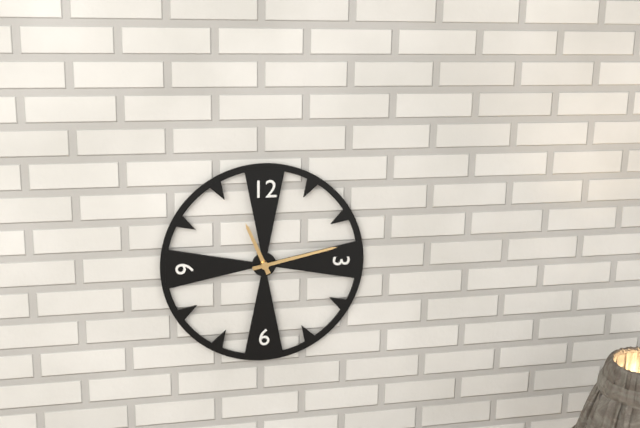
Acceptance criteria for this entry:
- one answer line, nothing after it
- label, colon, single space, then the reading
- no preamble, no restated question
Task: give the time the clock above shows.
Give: 11:13
